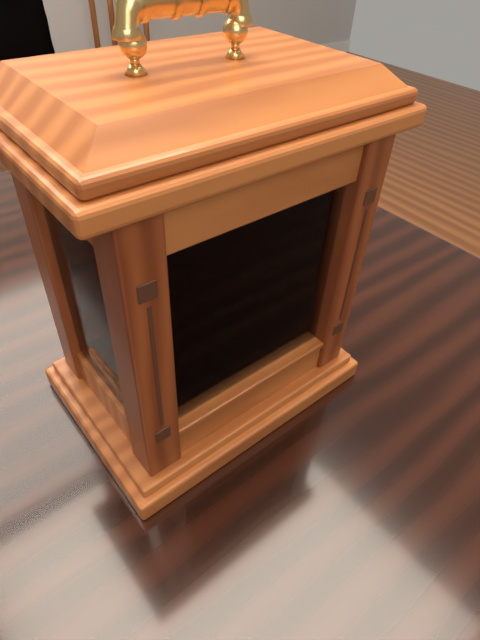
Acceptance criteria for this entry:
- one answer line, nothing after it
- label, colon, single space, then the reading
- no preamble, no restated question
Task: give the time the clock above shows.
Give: 12:02
